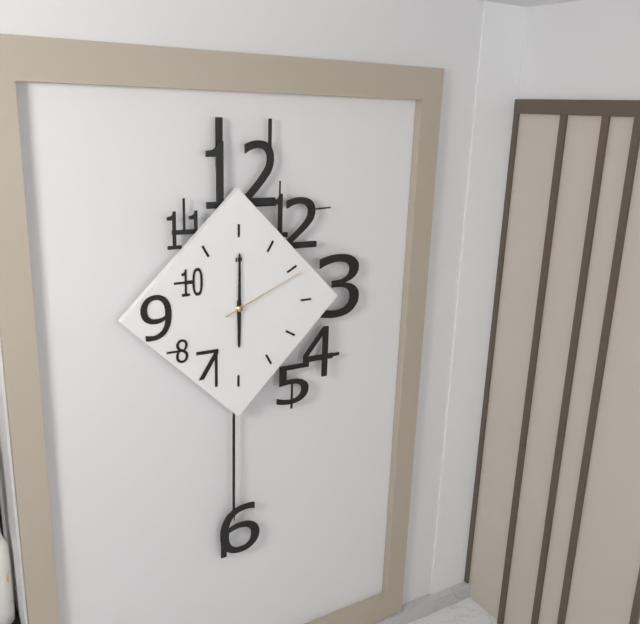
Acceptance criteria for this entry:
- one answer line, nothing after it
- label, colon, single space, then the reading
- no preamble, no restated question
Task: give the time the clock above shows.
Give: 6:00:11
